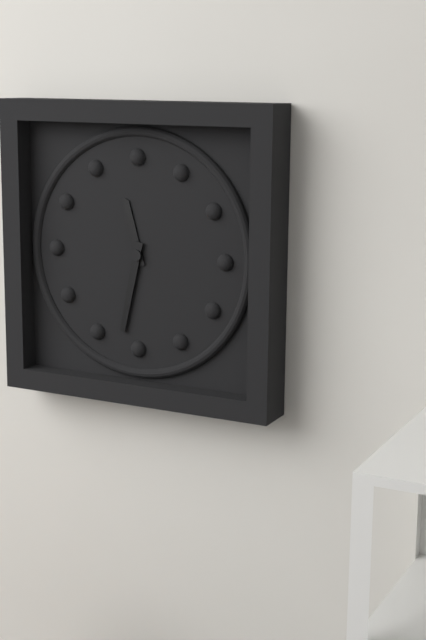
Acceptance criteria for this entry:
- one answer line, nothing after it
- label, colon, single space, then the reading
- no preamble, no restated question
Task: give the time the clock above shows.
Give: 11:32
